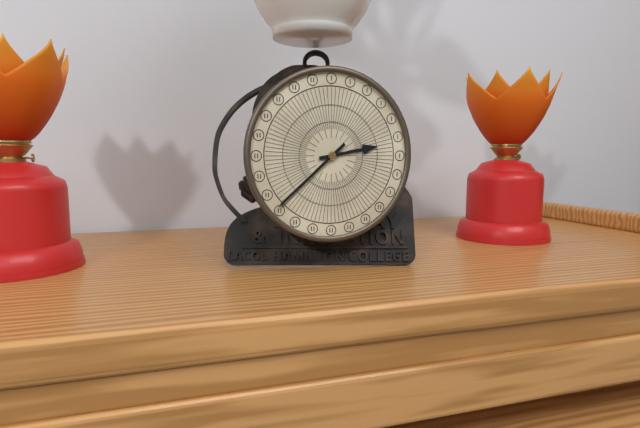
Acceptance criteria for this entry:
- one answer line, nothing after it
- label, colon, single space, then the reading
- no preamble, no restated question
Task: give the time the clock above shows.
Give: 2:38
